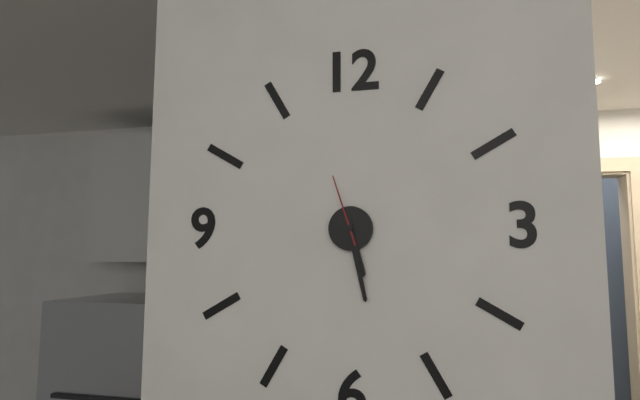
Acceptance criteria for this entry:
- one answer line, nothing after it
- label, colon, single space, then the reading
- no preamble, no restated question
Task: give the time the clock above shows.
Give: 5:28:57
